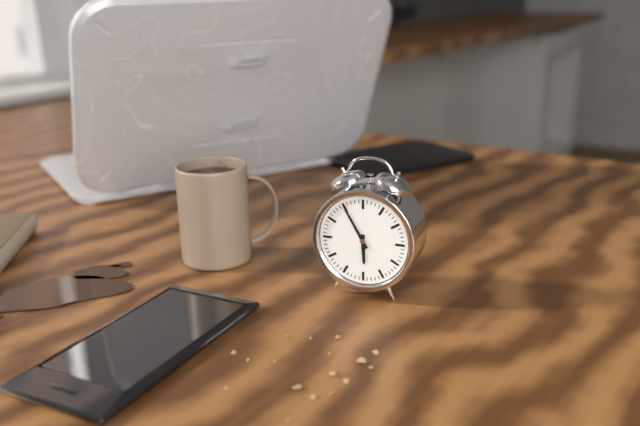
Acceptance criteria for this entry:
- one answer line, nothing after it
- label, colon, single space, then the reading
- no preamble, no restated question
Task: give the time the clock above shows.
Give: 5:55
